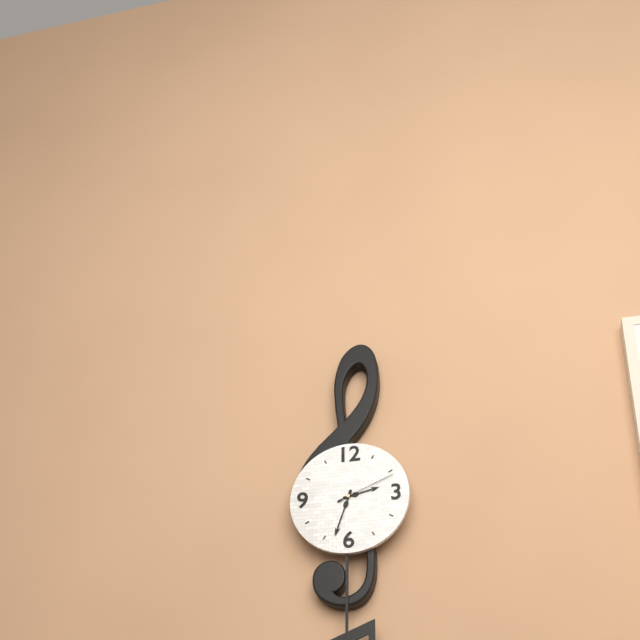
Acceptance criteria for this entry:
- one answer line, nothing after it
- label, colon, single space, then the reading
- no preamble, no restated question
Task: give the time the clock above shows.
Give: 2:33:11
